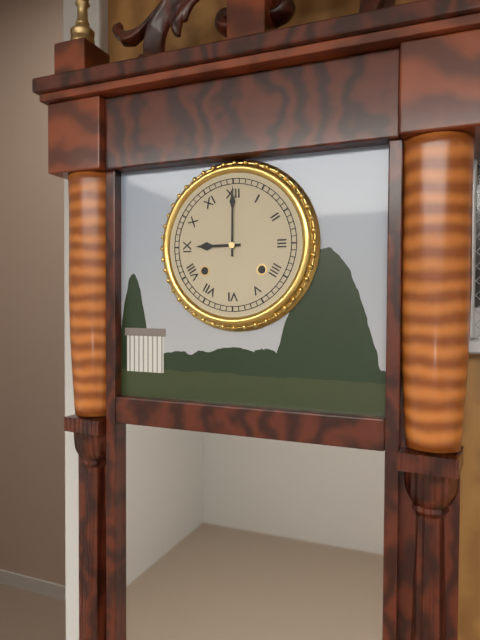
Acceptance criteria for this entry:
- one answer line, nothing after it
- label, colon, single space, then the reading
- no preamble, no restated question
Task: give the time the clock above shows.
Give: 9:00
